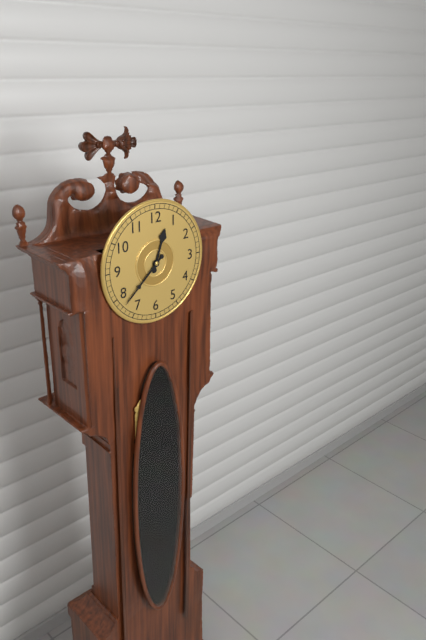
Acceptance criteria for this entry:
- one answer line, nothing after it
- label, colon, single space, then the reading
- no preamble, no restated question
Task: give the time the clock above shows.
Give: 12:38
